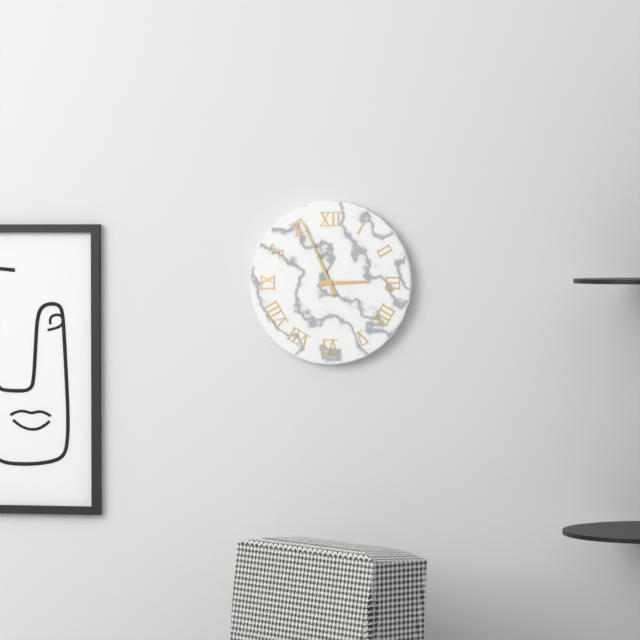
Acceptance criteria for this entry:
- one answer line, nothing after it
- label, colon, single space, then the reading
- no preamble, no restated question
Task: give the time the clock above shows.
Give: 2:56
